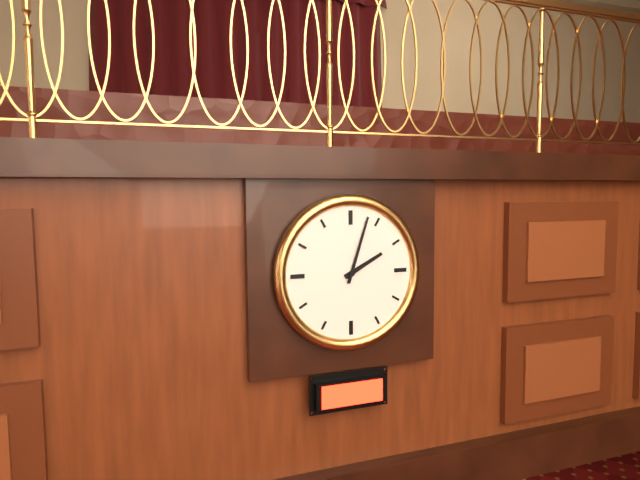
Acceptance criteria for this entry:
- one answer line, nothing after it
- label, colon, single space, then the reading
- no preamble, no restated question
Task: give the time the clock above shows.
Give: 2:03
